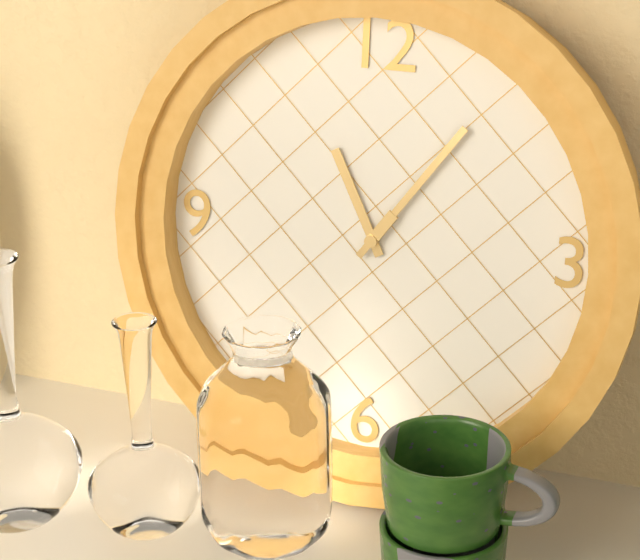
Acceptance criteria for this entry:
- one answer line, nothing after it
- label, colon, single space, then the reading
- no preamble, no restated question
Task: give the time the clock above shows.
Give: 11:06
